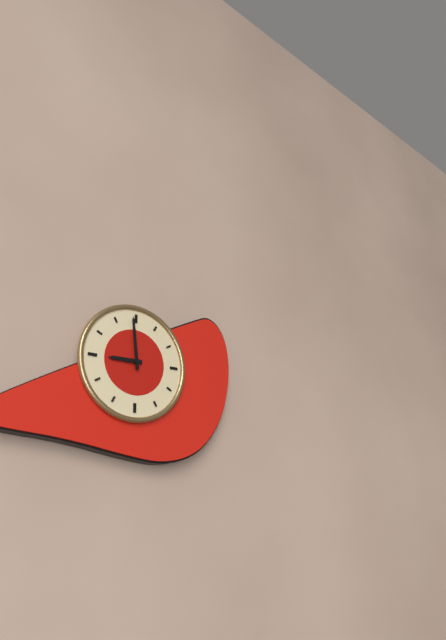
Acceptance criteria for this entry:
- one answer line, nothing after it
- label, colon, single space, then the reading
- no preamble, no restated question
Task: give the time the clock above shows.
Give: 8:59
